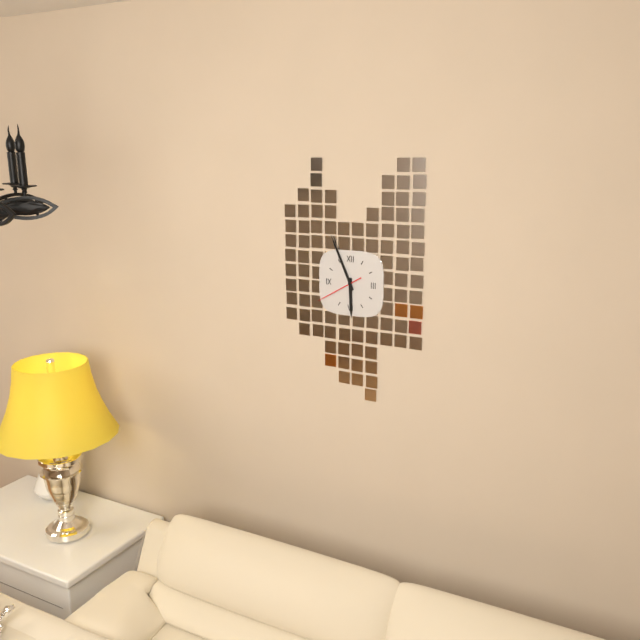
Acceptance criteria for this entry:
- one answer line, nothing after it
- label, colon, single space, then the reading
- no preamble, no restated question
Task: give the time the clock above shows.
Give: 5:56
